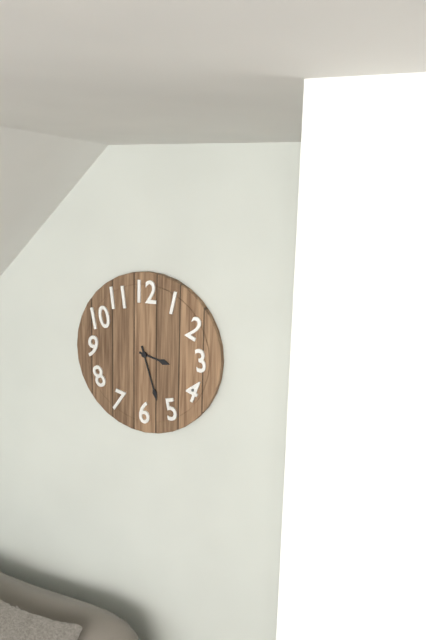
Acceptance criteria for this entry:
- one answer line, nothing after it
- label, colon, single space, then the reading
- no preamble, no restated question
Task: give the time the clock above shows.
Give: 3:27
